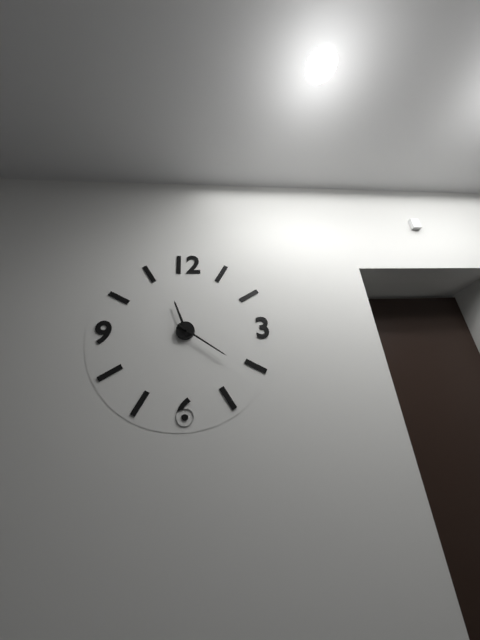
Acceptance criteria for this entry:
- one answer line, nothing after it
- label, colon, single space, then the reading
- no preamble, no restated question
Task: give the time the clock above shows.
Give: 11:21
